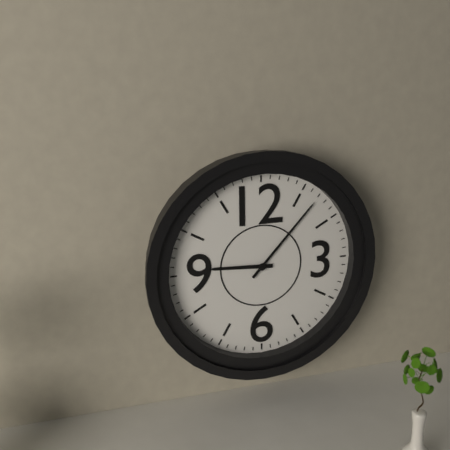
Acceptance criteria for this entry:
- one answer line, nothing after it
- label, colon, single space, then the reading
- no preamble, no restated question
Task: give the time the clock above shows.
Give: 9:07
